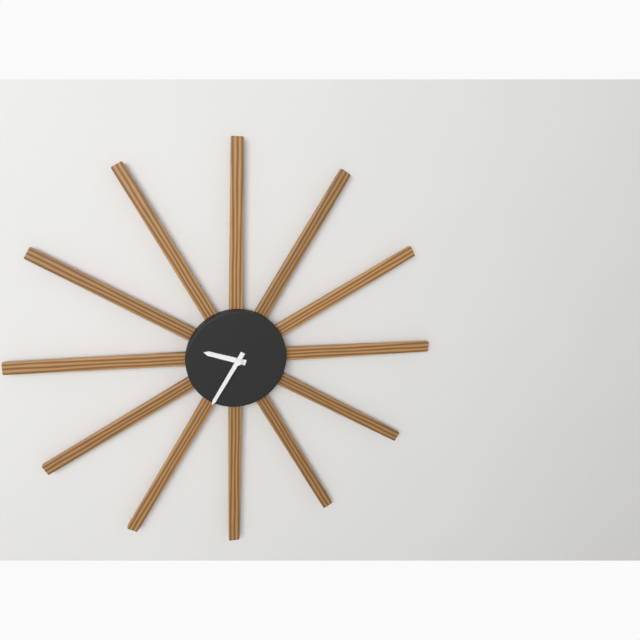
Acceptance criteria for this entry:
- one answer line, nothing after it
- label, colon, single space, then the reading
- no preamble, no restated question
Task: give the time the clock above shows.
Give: 9:35
